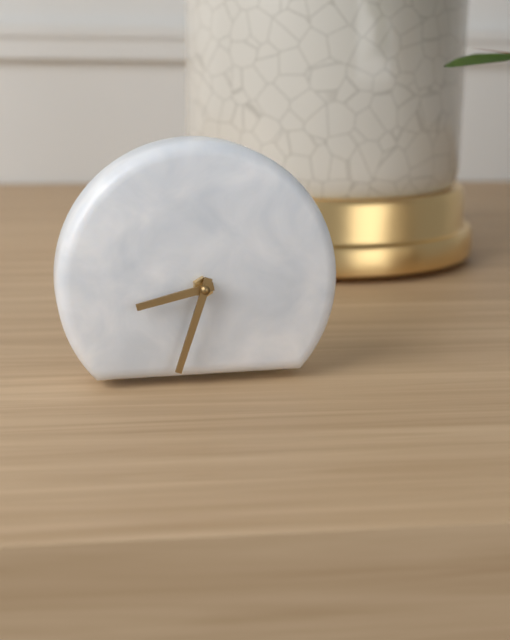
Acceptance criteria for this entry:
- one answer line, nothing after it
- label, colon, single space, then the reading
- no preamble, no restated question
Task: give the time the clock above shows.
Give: 8:33
